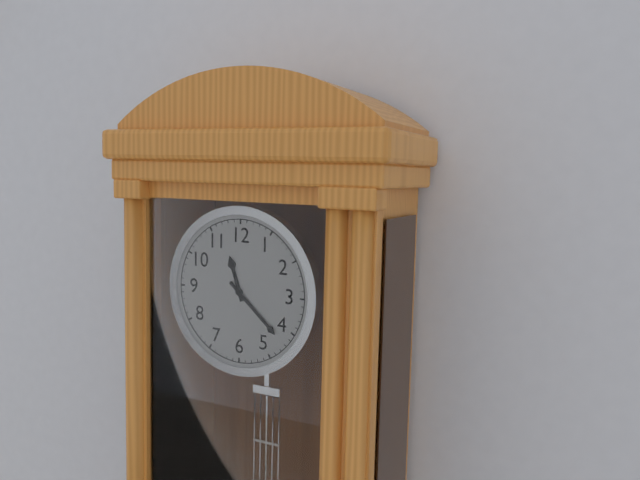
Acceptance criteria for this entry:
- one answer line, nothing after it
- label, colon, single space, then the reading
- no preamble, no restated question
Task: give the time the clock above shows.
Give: 11:22
